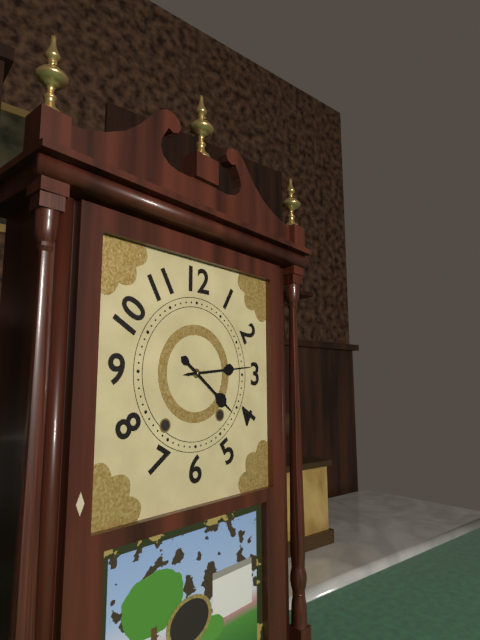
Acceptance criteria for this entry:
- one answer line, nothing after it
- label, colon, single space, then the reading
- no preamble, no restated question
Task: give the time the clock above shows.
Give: 4:14
